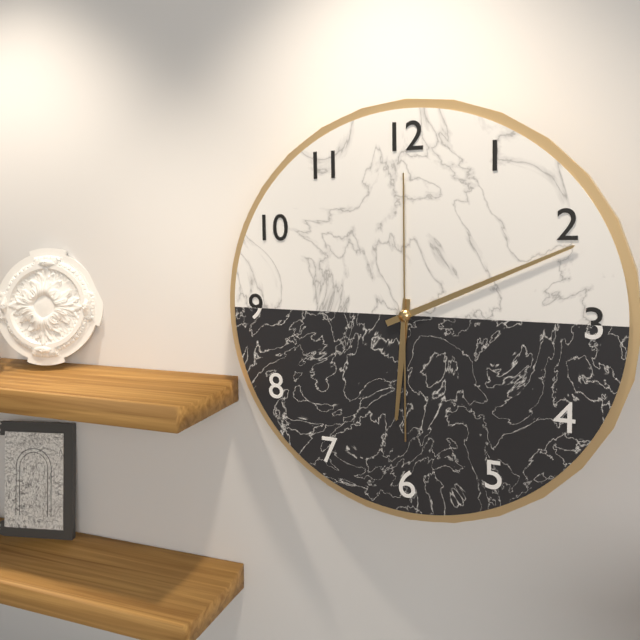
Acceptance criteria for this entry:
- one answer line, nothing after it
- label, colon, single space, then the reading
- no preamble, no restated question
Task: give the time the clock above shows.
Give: 6:11:00
